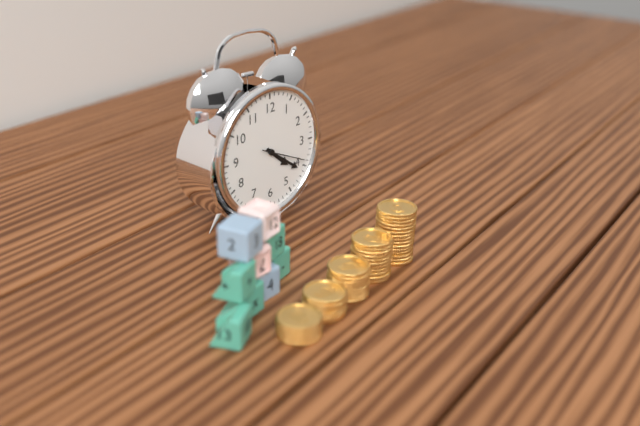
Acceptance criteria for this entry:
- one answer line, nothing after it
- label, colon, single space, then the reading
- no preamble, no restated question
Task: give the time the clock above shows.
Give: 4:21
